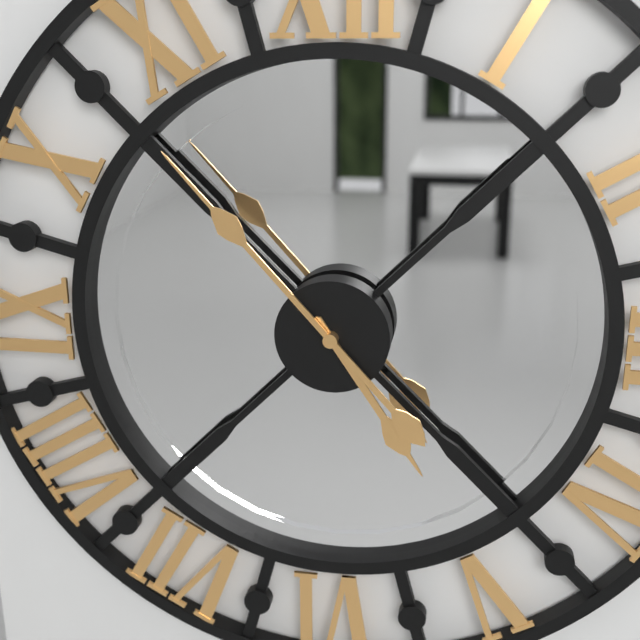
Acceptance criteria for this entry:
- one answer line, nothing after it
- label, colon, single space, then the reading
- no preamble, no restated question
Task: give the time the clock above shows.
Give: 4:53
